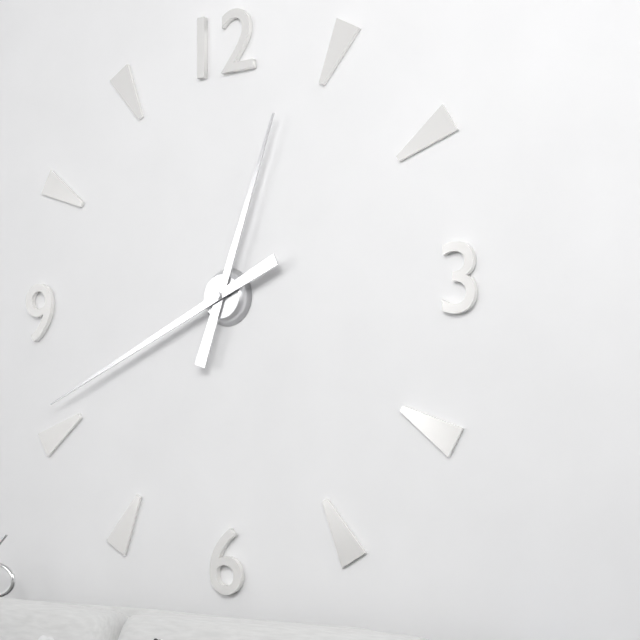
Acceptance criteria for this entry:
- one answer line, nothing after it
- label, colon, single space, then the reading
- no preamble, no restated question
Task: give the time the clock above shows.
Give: 12:41
